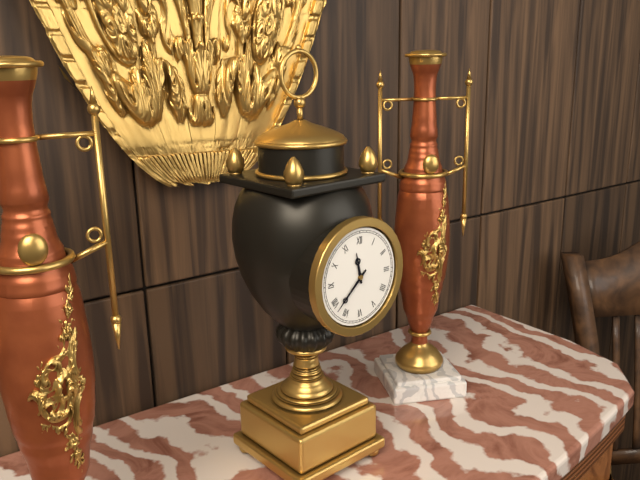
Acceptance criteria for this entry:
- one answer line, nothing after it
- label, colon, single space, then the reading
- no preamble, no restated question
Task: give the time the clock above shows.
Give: 11:38
